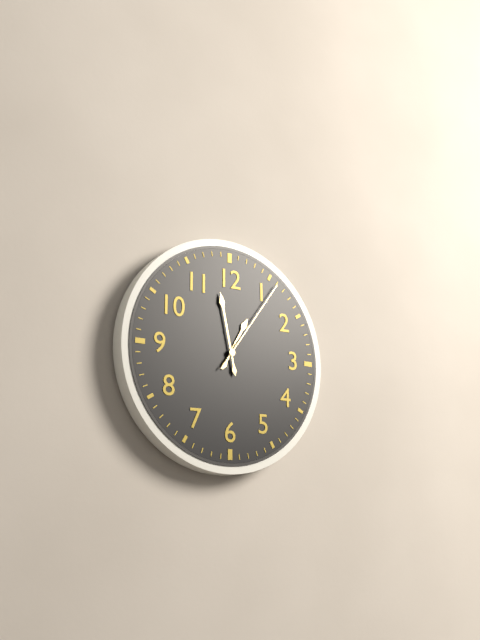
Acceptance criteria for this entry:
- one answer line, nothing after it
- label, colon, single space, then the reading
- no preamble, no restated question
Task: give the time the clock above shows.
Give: 12:58:06
